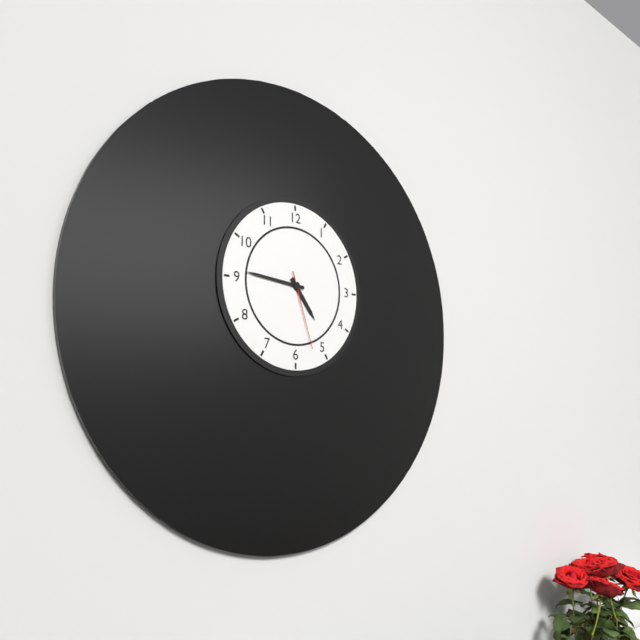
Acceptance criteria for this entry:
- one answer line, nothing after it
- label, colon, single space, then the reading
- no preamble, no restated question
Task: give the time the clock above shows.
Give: 4:46:27
